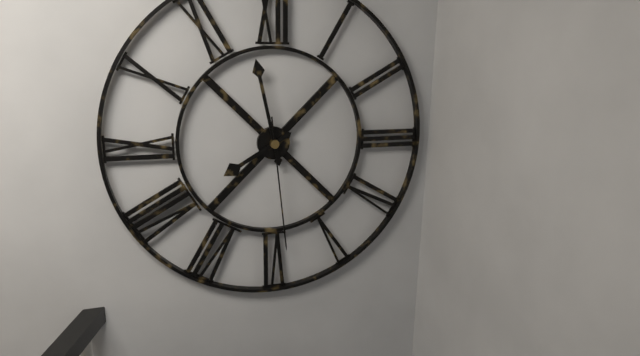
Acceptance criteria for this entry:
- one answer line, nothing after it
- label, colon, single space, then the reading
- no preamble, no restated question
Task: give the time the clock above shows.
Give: 7:58:29
